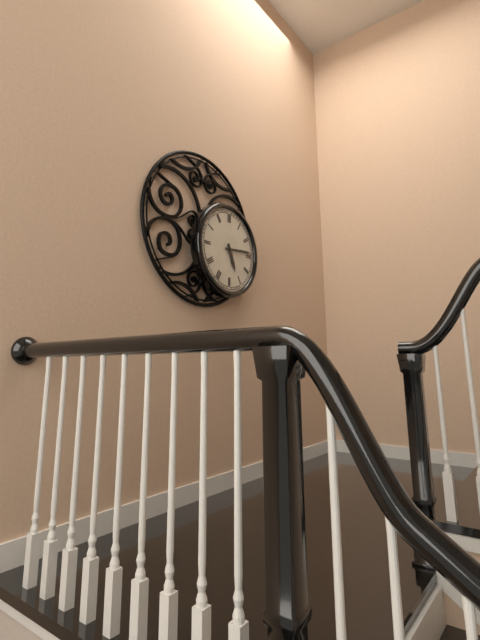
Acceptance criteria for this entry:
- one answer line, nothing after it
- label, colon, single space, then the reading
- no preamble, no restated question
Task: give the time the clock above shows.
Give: 5:14
